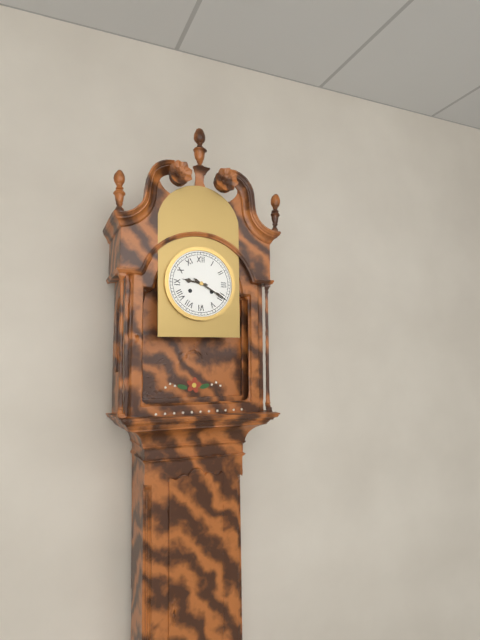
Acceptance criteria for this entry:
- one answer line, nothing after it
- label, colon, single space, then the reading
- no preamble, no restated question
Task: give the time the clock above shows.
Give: 9:20
